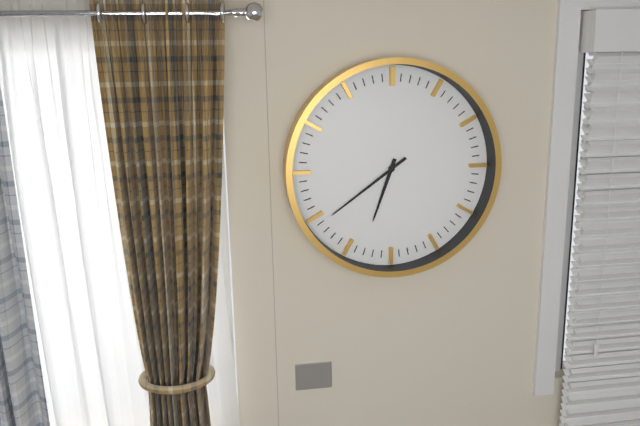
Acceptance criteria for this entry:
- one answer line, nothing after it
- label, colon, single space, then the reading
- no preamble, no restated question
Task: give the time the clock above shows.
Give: 6:39
